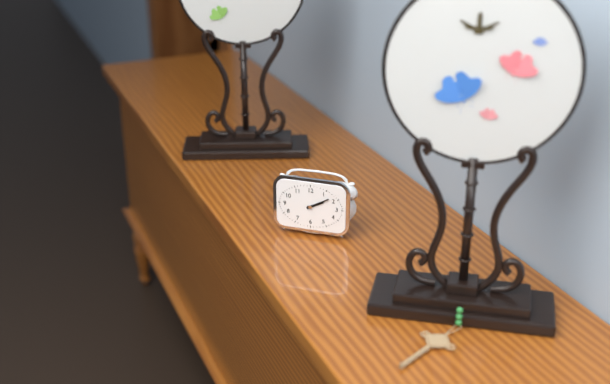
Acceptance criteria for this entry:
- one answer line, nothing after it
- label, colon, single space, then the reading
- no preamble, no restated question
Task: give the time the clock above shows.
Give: 2:10
